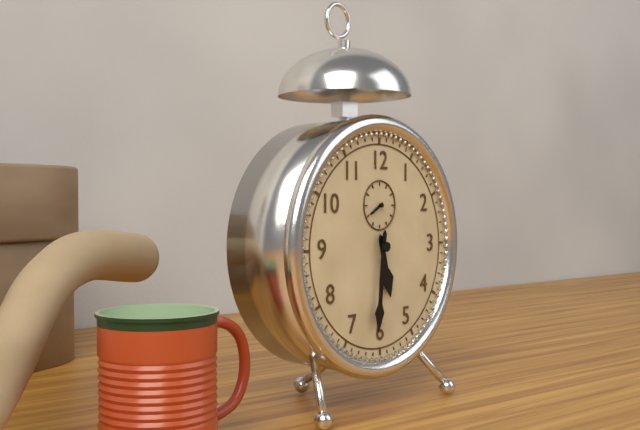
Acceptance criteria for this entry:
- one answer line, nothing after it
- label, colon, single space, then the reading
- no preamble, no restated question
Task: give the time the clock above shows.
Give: 5:31
